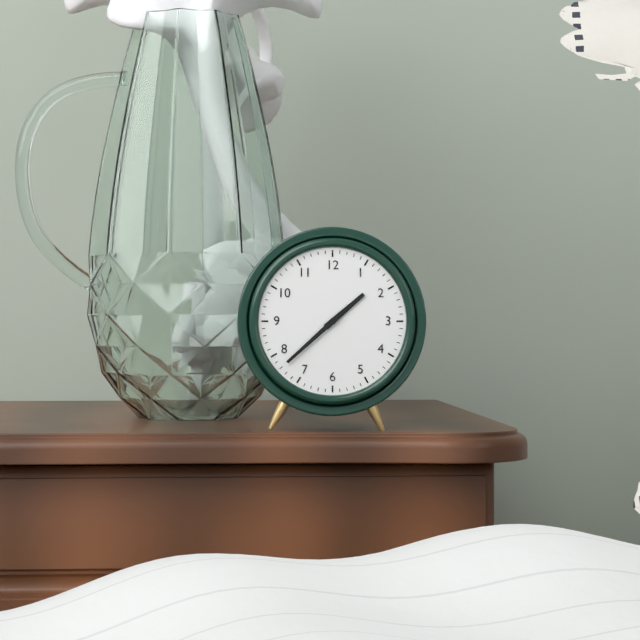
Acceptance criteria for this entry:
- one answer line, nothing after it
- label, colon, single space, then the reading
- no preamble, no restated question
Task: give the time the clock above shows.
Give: 1:38
